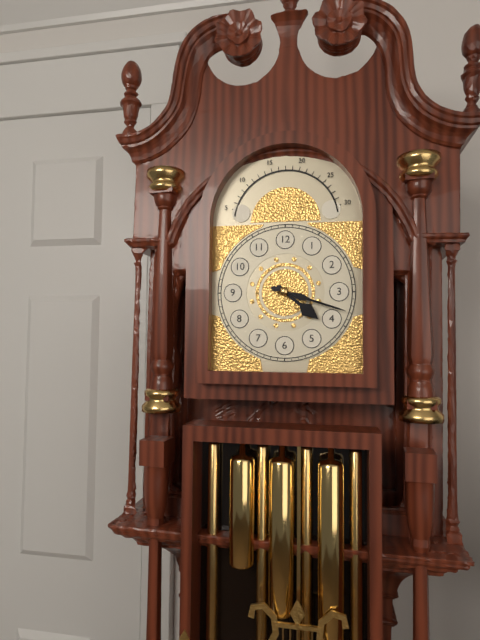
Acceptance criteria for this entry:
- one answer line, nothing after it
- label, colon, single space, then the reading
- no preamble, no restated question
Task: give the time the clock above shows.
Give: 4:18
